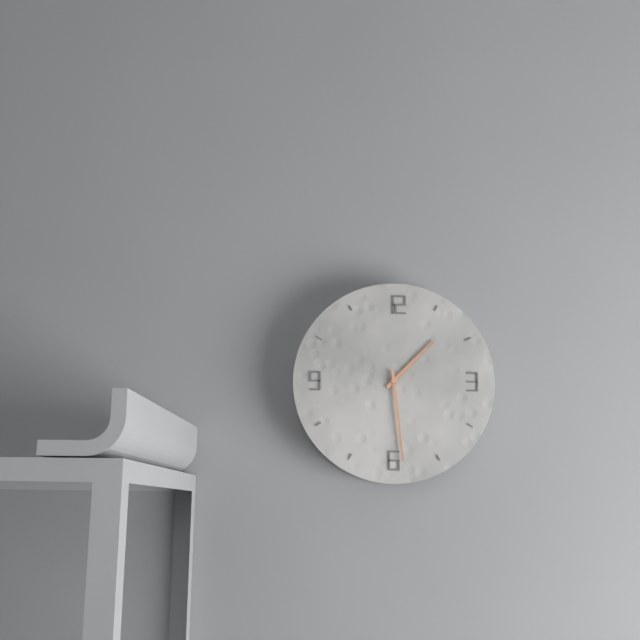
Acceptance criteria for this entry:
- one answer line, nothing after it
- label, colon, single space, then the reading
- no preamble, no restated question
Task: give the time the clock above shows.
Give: 1:29
